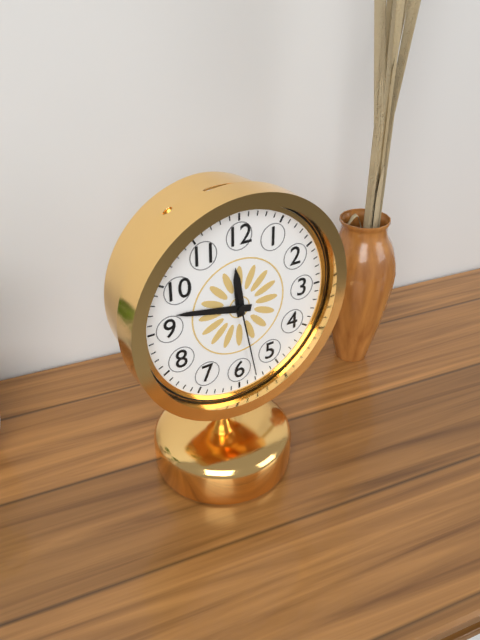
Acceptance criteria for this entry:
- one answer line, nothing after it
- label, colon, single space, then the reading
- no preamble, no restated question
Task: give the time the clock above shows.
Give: 11:47:28
